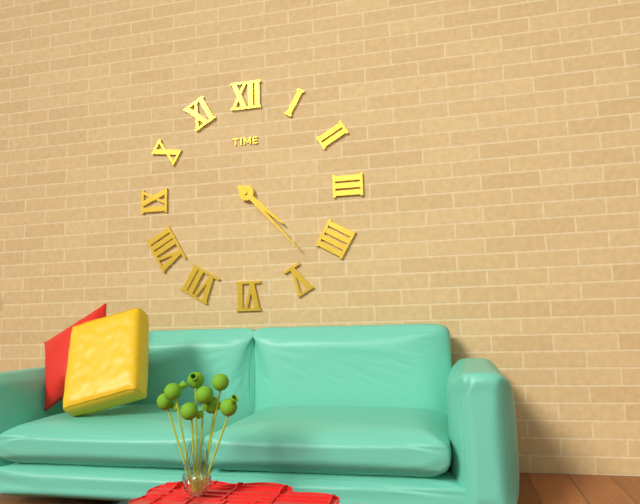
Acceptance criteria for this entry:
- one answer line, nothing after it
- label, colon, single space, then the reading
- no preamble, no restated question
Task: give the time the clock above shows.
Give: 4:23
